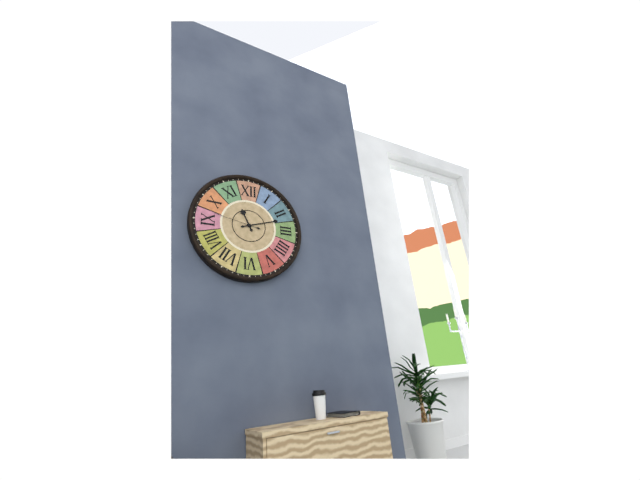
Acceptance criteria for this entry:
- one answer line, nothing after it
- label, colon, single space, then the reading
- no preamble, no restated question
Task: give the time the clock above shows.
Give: 11:12
